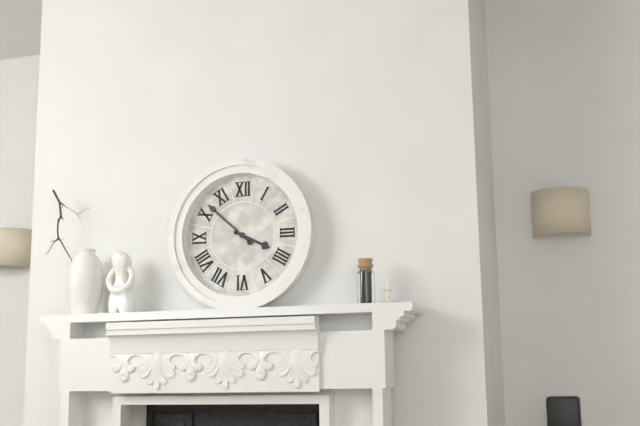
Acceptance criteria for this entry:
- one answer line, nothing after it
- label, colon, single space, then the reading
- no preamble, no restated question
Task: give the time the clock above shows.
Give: 3:52
